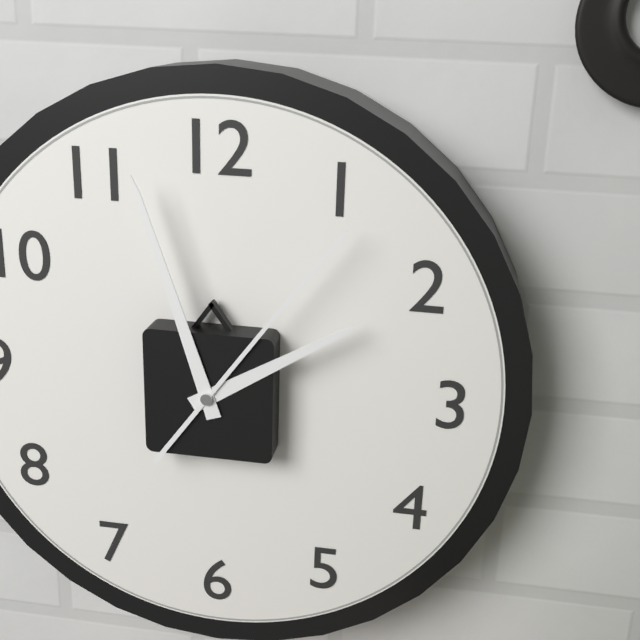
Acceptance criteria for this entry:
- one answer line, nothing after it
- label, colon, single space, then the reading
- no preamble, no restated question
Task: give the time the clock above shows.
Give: 1:57:06
